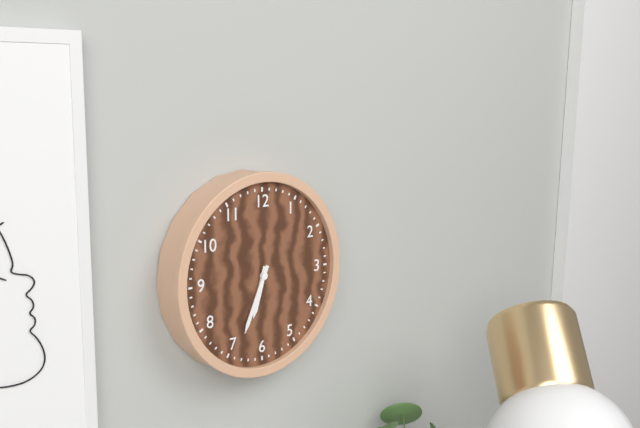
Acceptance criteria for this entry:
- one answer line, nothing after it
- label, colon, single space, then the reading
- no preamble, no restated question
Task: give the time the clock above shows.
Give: 6:34
